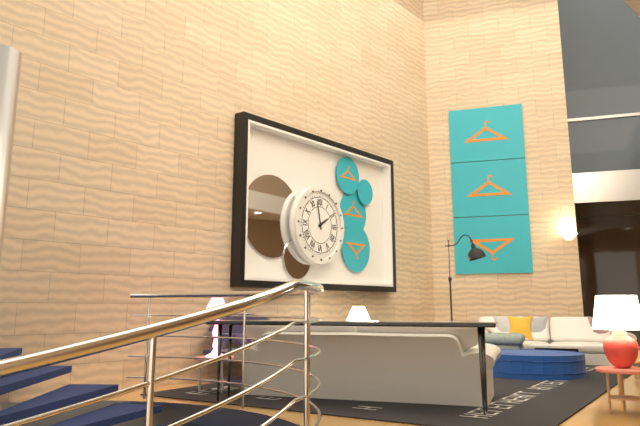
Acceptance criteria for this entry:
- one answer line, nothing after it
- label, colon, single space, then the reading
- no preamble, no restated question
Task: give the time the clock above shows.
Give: 1:58
